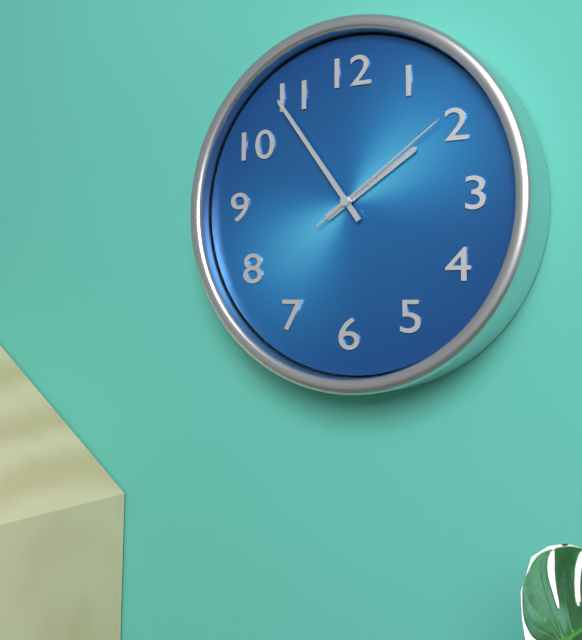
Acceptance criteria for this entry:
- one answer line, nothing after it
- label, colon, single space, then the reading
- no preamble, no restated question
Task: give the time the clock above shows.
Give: 1:54:09
